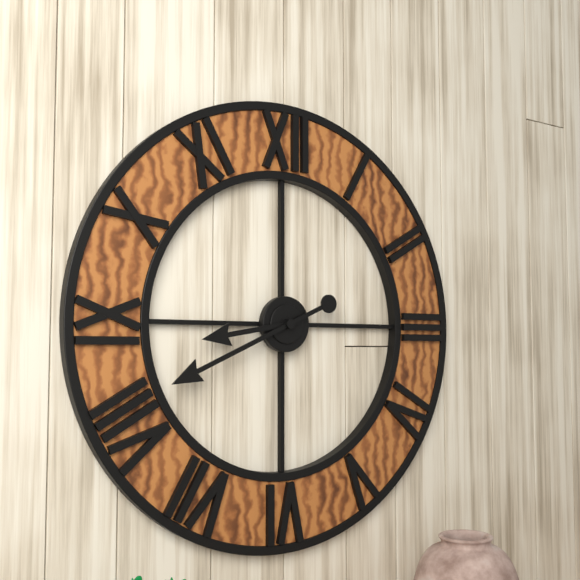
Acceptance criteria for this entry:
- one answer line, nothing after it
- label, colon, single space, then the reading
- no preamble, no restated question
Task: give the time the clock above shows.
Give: 8:41
